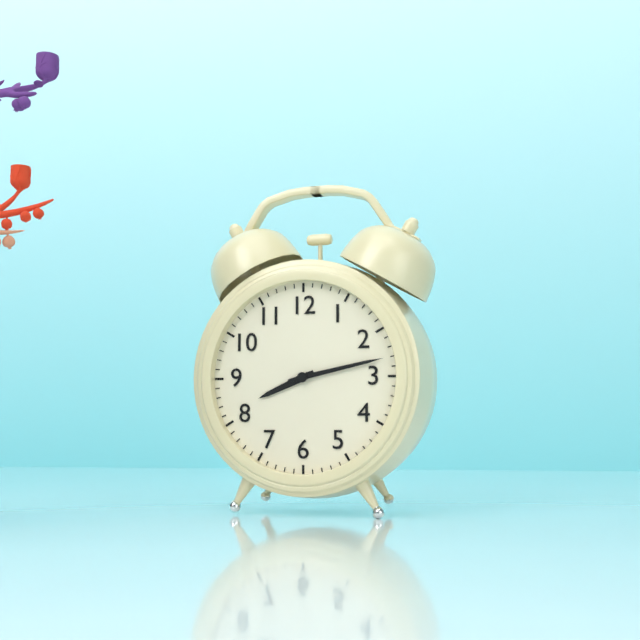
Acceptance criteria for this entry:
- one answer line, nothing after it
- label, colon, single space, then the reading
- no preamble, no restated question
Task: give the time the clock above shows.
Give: 8:13
